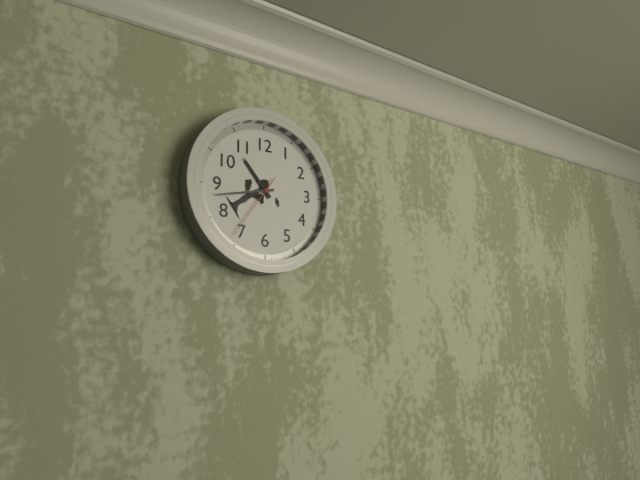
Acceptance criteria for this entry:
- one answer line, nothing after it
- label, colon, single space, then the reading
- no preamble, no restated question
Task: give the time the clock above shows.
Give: 10:43:36
